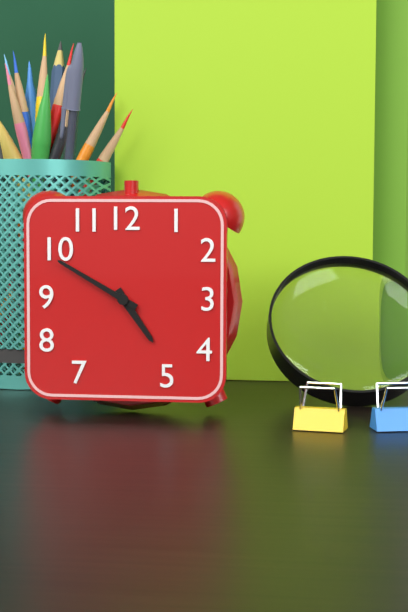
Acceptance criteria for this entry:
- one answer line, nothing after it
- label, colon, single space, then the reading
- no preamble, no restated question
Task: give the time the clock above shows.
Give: 4:50
